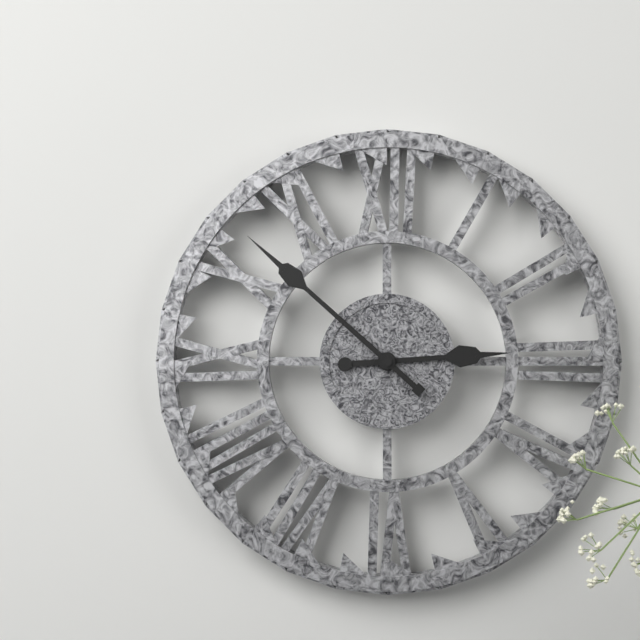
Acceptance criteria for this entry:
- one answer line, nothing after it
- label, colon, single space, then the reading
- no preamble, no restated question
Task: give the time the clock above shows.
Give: 2:52
